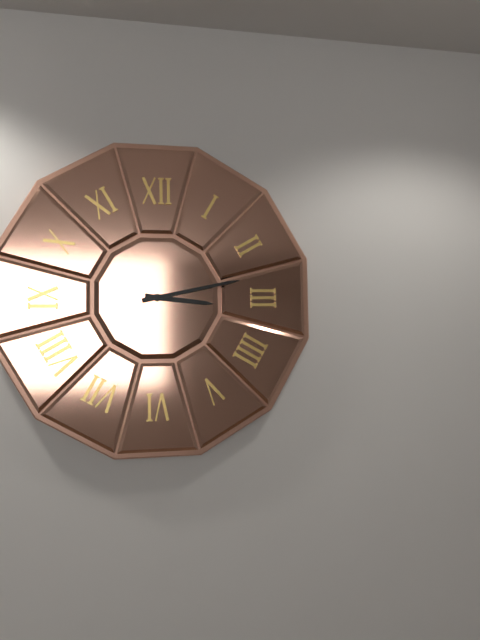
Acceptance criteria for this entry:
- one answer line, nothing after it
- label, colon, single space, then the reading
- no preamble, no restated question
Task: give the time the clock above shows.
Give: 3:13
